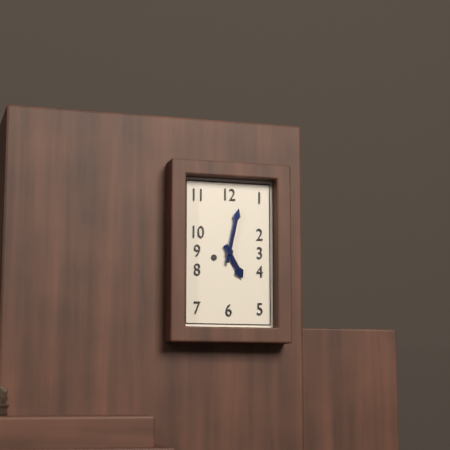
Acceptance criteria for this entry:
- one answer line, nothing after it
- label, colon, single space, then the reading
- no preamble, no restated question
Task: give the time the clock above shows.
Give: 5:02
